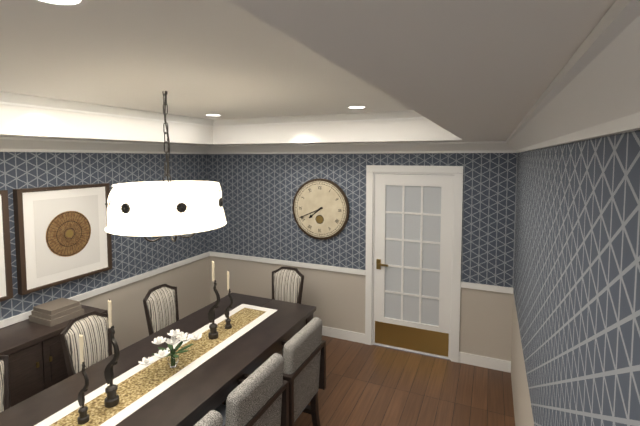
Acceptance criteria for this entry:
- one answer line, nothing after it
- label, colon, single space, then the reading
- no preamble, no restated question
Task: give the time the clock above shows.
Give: 7:41
